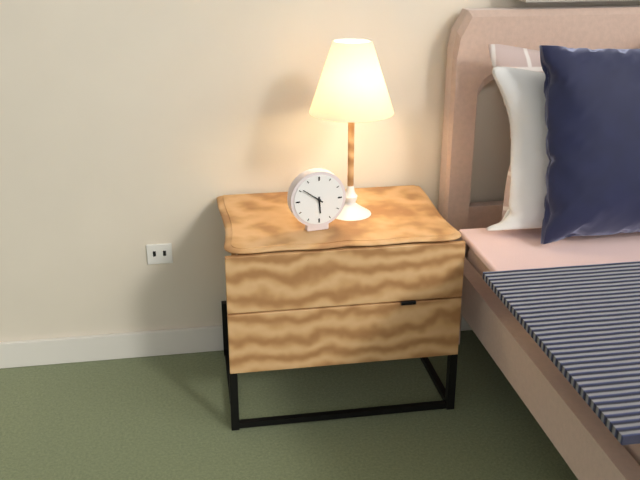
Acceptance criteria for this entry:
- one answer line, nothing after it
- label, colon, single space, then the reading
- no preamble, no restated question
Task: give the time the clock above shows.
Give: 5:51
